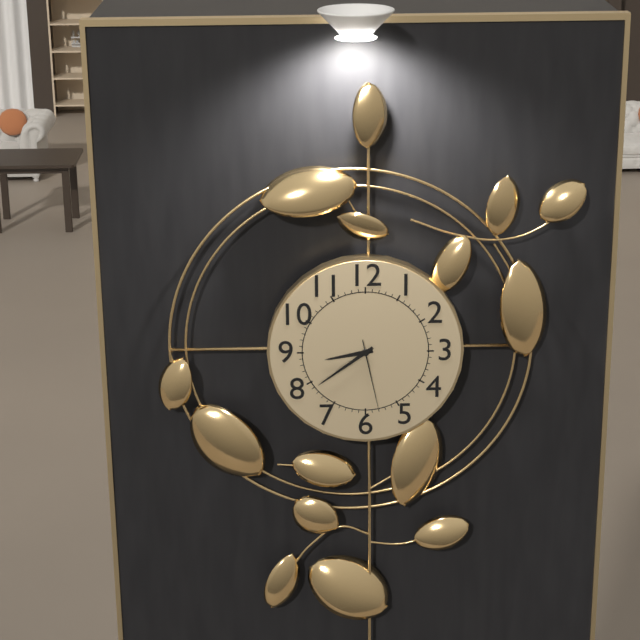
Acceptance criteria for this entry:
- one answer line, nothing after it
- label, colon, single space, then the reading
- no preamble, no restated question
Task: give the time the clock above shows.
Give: 8:39:28
